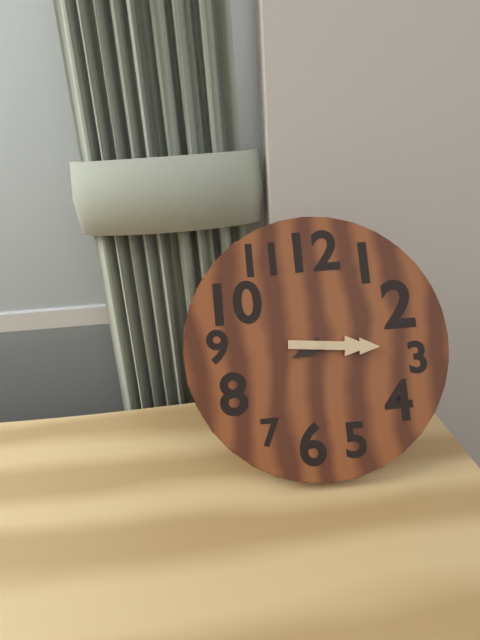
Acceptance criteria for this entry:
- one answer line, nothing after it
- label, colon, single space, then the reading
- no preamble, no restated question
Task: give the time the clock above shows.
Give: 8:16
